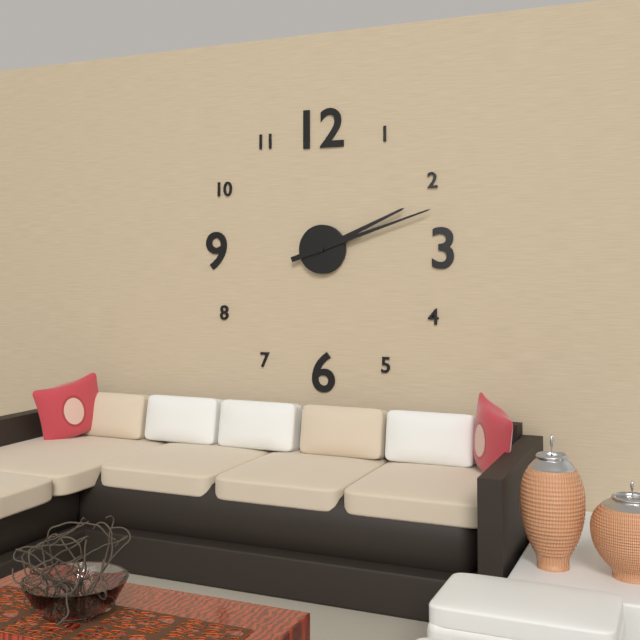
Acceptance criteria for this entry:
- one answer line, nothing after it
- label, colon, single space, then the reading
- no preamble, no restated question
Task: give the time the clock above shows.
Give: 2:12
